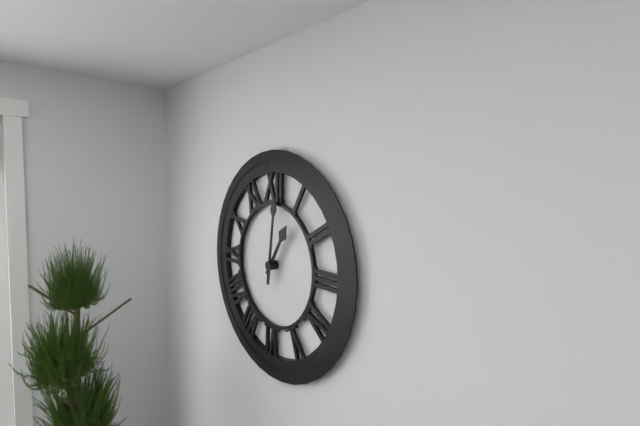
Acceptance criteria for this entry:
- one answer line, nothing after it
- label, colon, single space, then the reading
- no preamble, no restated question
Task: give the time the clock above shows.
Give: 1:01
